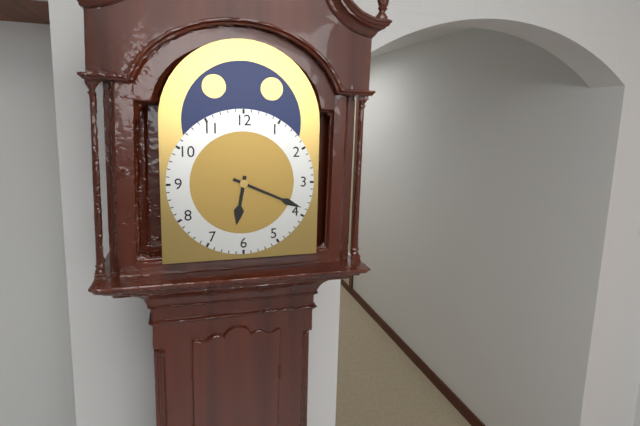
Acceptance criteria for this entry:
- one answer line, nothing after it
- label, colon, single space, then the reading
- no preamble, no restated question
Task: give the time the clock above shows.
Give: 6:19
